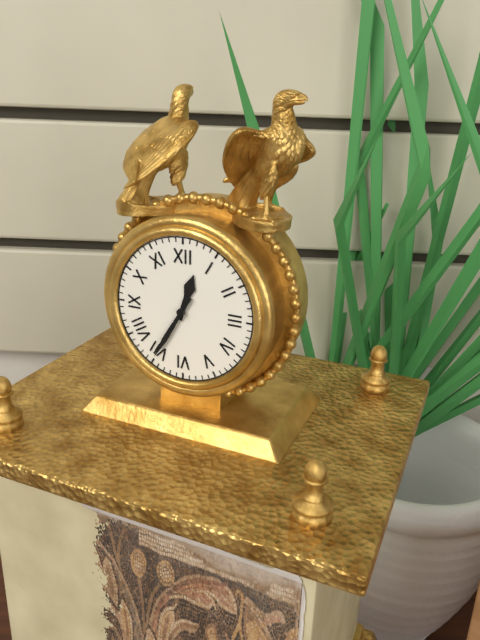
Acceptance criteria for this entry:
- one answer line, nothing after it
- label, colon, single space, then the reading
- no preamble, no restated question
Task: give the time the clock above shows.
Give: 12:35
